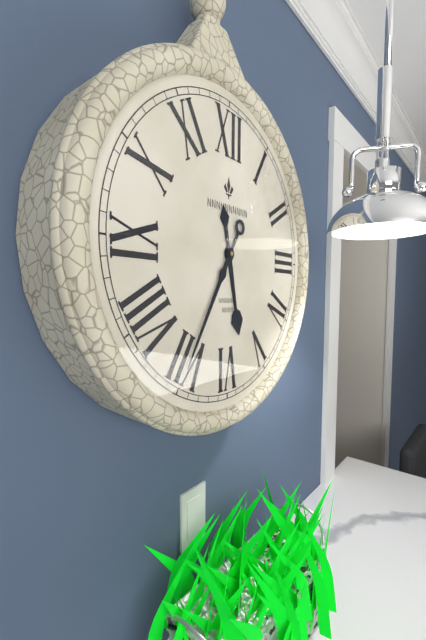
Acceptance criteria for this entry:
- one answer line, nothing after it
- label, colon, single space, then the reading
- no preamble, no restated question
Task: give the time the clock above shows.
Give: 5:35
